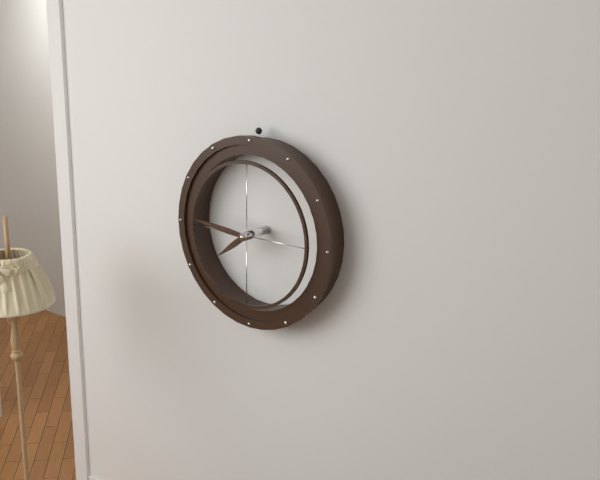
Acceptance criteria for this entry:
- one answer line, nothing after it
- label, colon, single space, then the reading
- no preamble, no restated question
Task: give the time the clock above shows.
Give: 7:46
